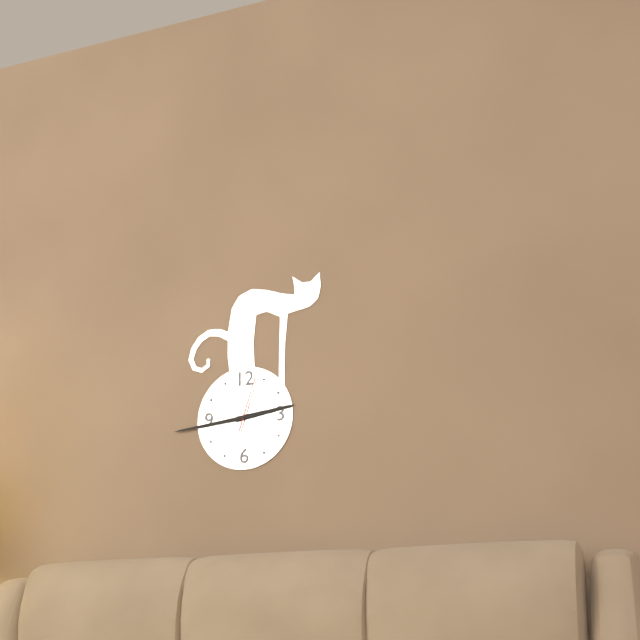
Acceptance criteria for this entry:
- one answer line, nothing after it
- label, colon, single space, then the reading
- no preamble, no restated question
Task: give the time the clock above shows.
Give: 2:44:03
